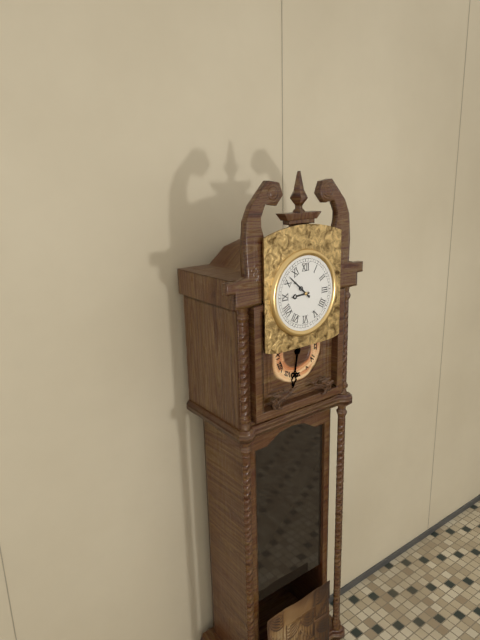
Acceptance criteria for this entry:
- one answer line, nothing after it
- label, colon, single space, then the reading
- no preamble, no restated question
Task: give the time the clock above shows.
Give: 8:52
